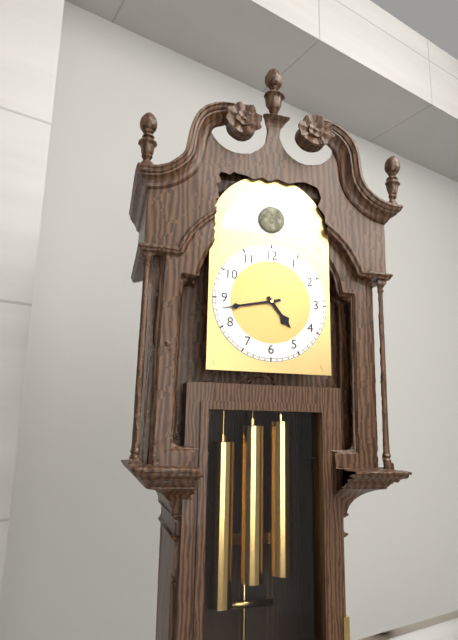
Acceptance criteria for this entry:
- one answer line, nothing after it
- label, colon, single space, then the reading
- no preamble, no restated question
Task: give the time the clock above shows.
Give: 4:43
